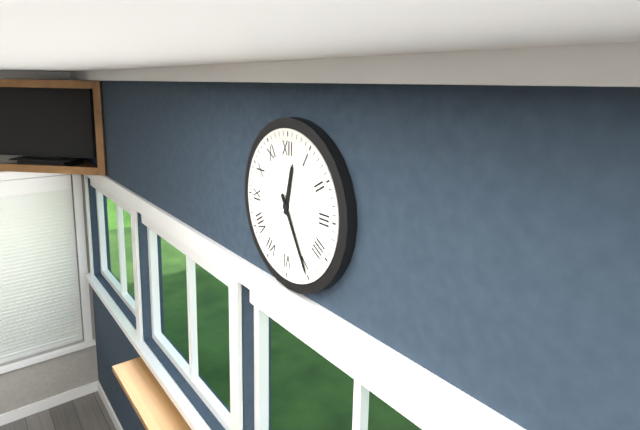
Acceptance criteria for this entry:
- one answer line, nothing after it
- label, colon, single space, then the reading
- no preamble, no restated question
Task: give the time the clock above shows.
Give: 12:25
